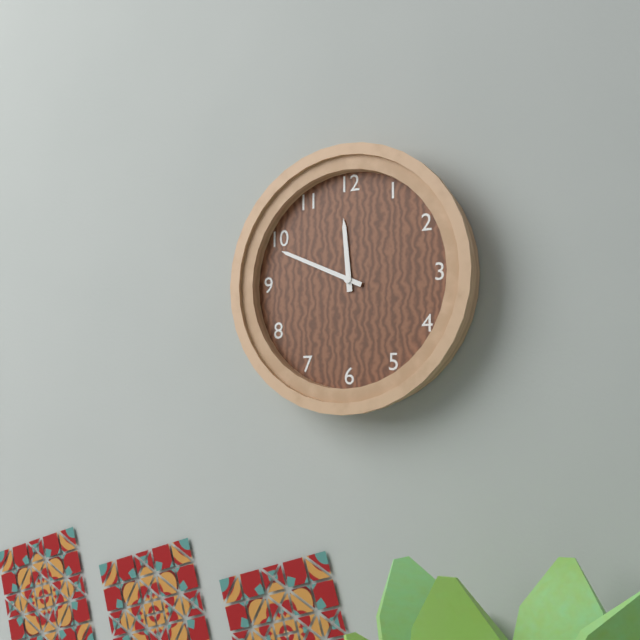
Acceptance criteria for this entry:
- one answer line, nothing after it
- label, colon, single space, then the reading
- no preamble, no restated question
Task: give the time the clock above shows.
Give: 11:49
